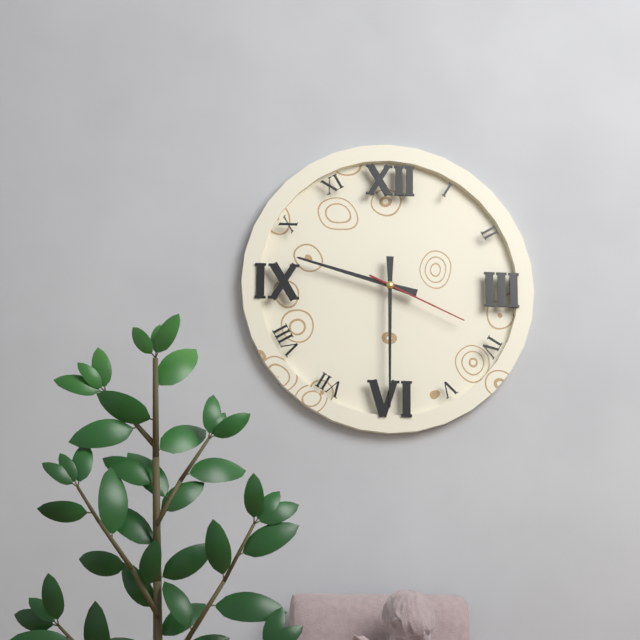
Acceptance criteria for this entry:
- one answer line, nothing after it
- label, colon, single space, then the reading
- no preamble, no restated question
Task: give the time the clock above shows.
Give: 9:30:19
